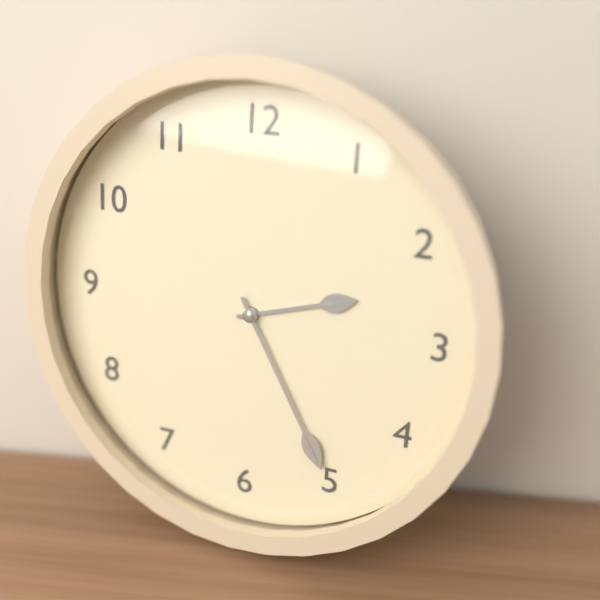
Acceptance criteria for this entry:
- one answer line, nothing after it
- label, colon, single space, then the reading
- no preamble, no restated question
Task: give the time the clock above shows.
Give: 2:25
